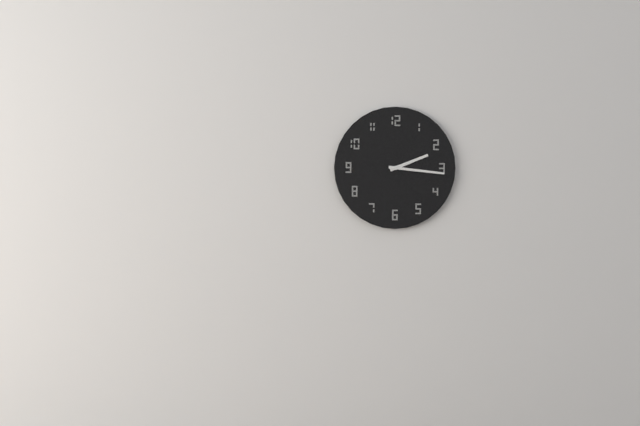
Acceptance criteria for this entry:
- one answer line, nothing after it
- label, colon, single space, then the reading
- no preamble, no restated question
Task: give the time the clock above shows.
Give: 2:16
